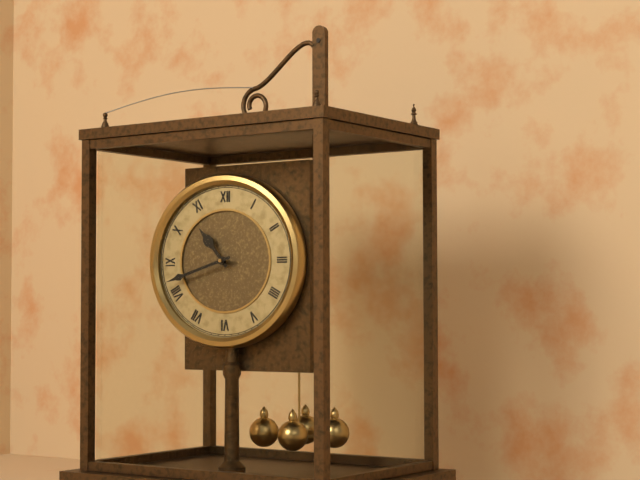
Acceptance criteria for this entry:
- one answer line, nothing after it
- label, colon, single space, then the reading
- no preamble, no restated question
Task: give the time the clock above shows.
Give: 10:42
